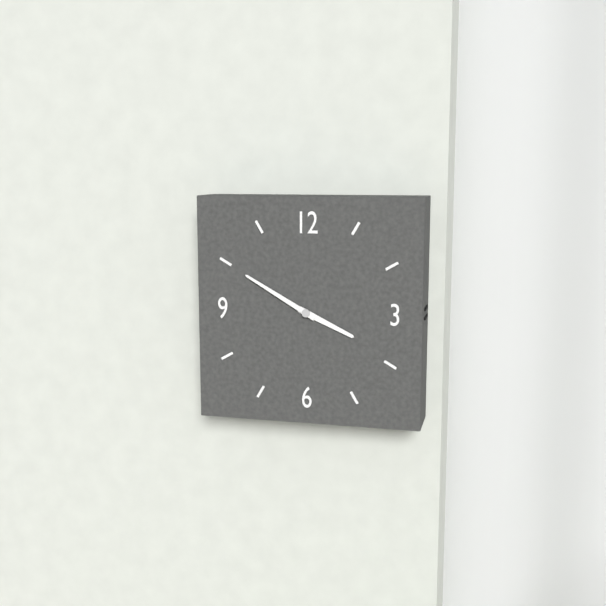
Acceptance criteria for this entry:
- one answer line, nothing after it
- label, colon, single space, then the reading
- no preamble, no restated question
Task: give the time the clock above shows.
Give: 3:50
